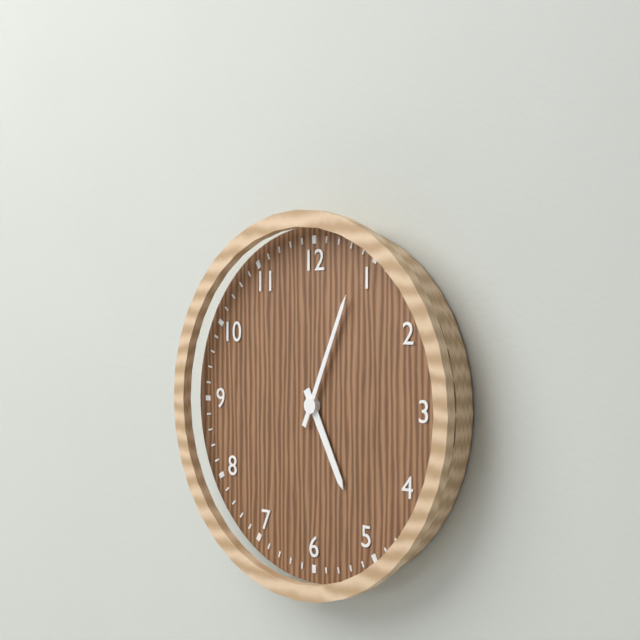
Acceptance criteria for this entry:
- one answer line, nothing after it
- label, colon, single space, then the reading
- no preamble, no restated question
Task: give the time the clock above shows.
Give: 5:04
